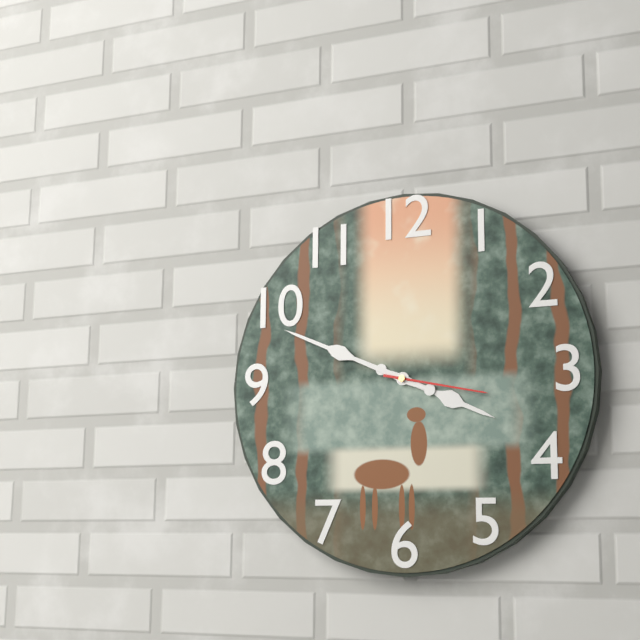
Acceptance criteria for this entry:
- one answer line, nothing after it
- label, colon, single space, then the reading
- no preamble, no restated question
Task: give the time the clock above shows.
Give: 3:49:17
